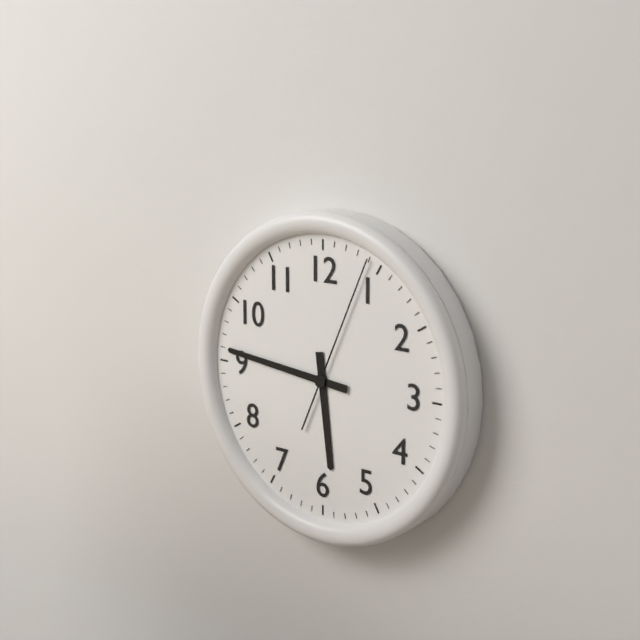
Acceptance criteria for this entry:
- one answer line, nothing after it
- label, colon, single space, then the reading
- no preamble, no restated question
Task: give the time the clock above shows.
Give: 5:46:04
